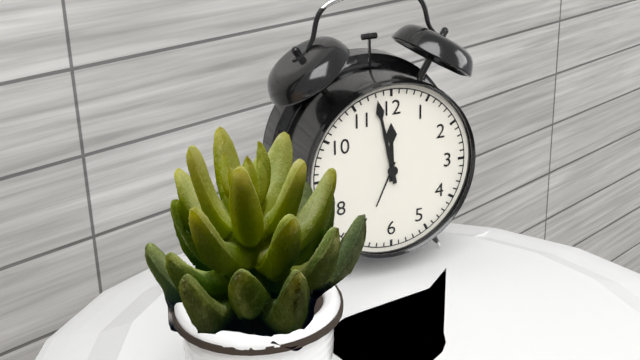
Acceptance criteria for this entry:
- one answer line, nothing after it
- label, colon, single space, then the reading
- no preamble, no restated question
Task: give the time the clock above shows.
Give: 11:58
